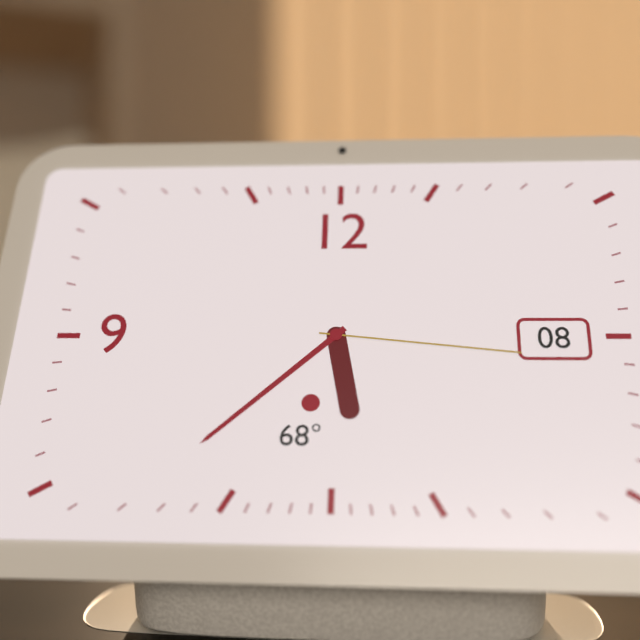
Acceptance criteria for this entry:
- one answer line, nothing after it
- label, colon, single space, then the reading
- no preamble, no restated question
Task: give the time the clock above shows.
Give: 5:38:16
